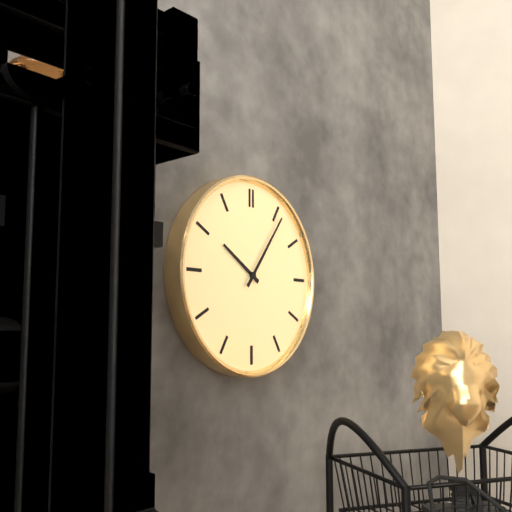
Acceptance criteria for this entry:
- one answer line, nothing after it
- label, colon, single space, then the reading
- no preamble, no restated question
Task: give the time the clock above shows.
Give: 10:06
